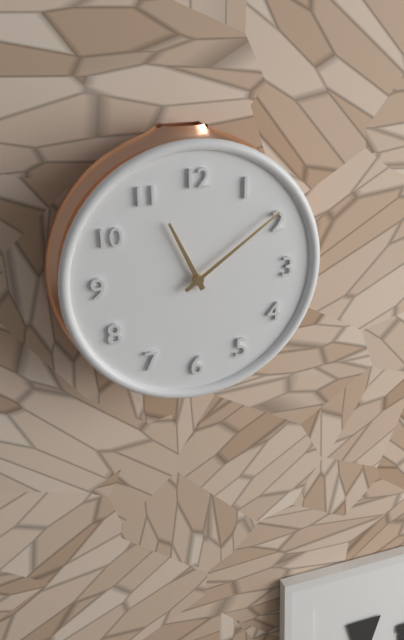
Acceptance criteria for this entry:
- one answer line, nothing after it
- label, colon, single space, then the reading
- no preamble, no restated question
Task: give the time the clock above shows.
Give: 11:09
